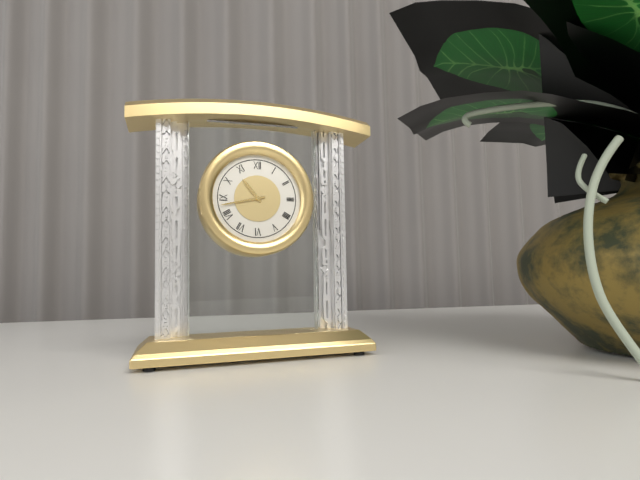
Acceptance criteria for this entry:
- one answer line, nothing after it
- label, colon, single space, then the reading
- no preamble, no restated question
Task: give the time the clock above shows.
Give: 10:43
